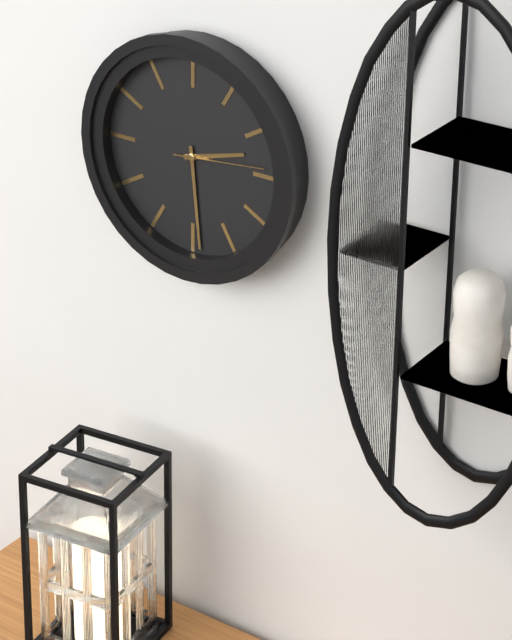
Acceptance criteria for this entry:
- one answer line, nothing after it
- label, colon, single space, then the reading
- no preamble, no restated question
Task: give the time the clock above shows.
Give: 2:29:14
